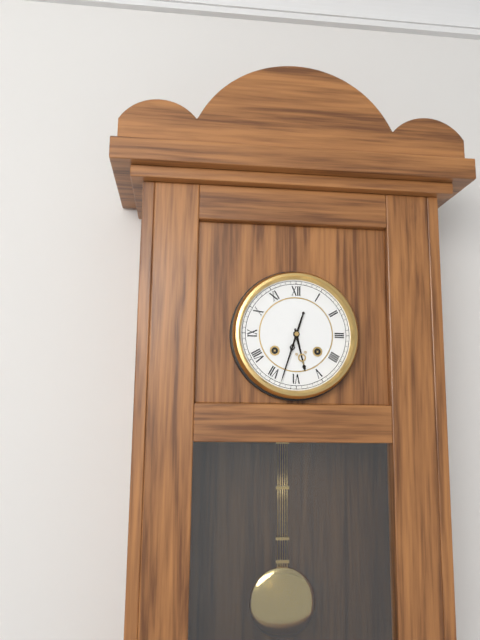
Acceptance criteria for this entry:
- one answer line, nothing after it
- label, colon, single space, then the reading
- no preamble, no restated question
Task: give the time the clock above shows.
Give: 5:33
